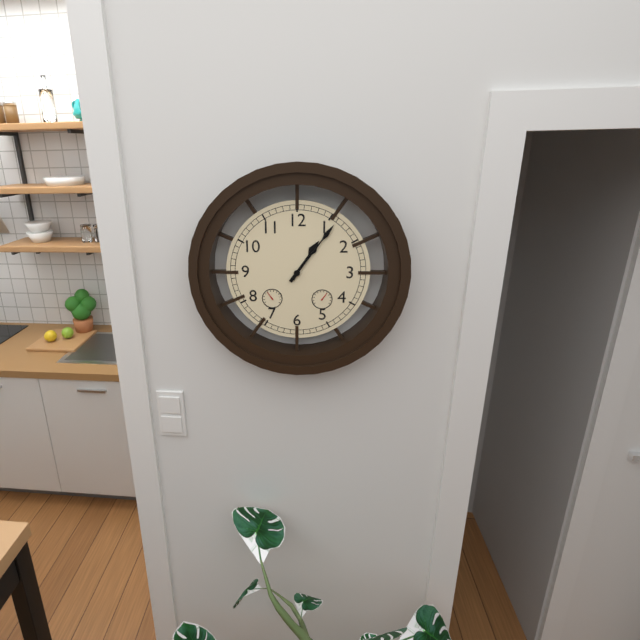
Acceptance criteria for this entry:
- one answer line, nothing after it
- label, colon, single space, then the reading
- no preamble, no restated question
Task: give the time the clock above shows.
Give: 1:06
